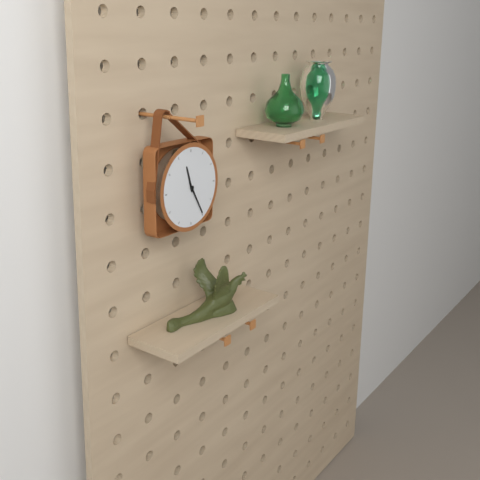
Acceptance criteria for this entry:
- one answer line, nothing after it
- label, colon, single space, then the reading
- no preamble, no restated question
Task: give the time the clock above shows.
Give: 11:25
